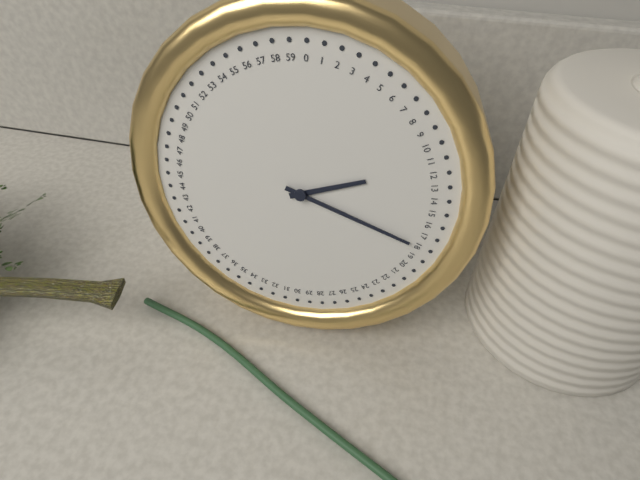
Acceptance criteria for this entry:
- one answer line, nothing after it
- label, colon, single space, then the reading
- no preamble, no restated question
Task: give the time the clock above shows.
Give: 2:18
